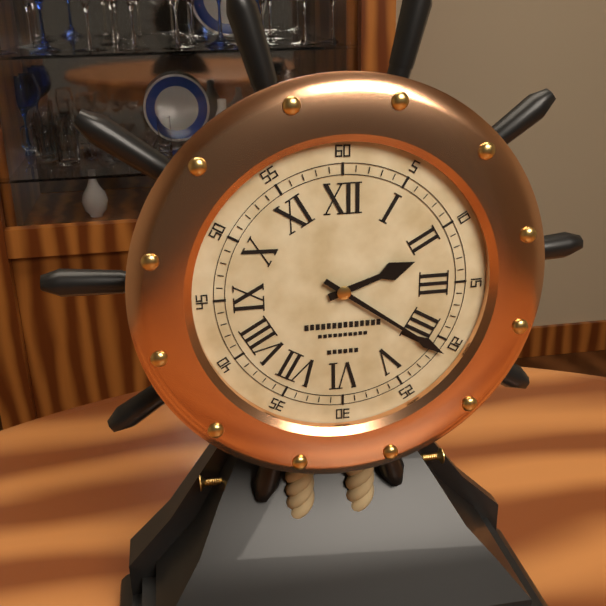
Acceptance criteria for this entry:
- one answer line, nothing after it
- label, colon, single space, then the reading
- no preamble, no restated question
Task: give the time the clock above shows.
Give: 2:21
